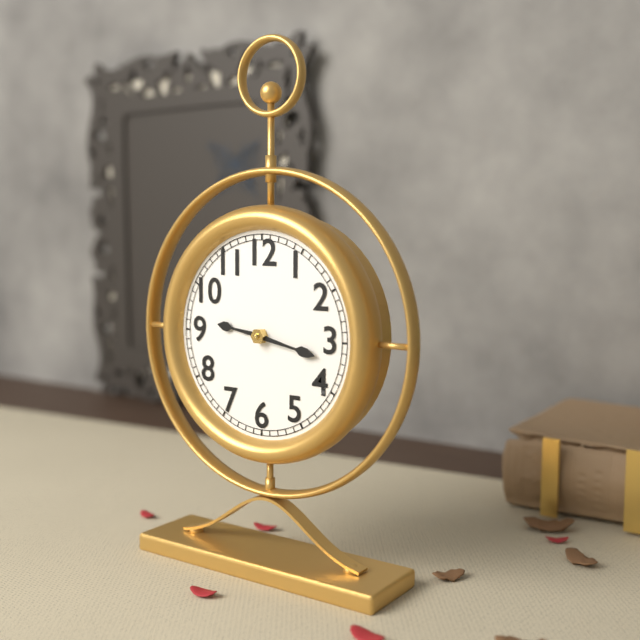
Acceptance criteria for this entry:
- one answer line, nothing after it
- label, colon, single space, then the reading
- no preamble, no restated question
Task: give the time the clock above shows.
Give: 9:17
